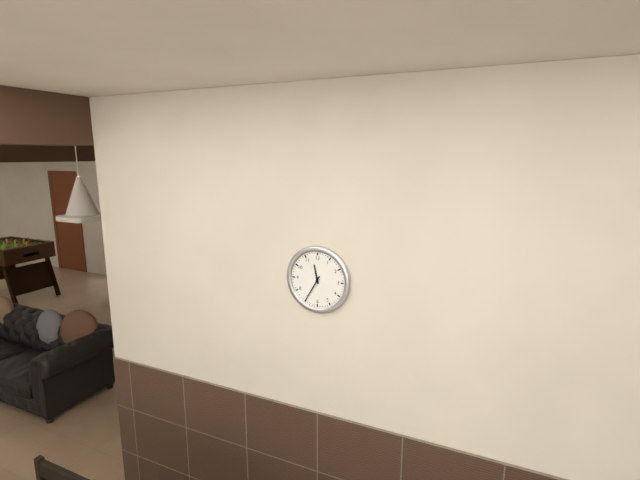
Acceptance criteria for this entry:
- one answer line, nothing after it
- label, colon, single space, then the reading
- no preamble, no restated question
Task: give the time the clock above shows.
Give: 11:35
